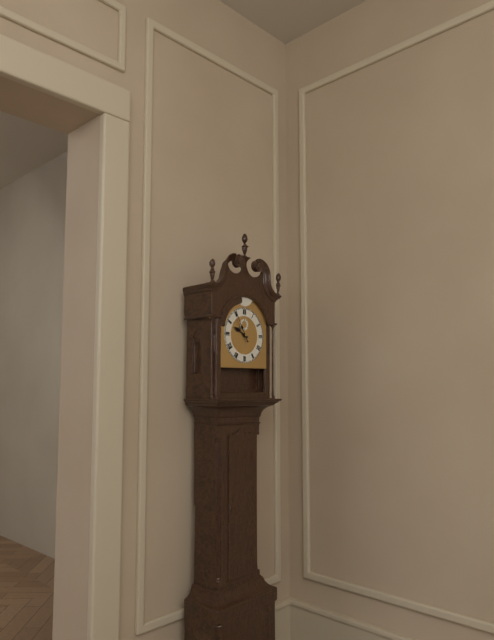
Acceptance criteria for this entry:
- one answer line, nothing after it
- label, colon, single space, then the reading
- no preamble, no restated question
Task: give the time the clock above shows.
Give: 9:55
